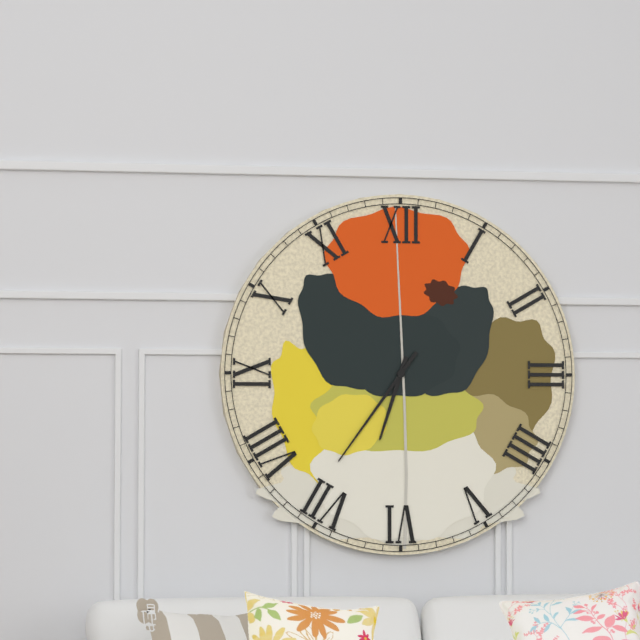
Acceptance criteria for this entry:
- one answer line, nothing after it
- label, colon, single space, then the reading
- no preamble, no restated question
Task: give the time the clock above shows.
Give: 6:36
